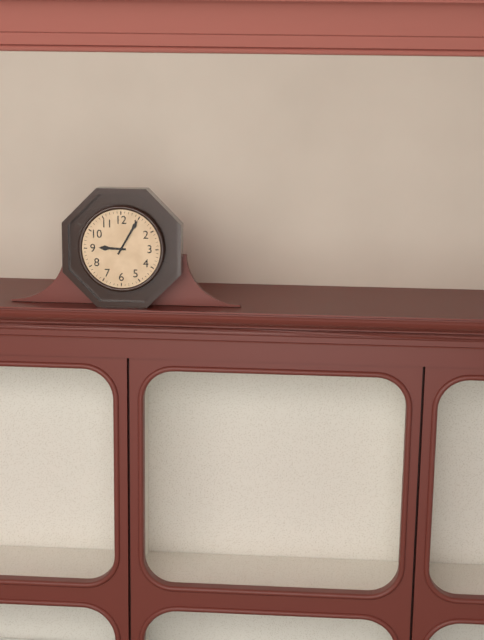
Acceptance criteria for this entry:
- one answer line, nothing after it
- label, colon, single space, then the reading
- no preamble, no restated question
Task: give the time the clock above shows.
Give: 9:05
